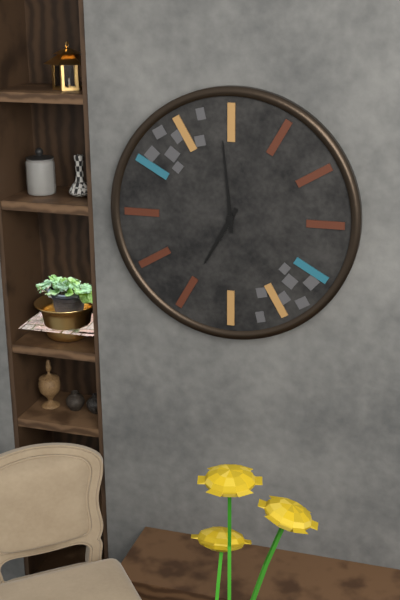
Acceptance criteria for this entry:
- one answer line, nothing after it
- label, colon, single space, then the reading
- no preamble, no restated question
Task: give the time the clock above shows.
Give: 6:59
